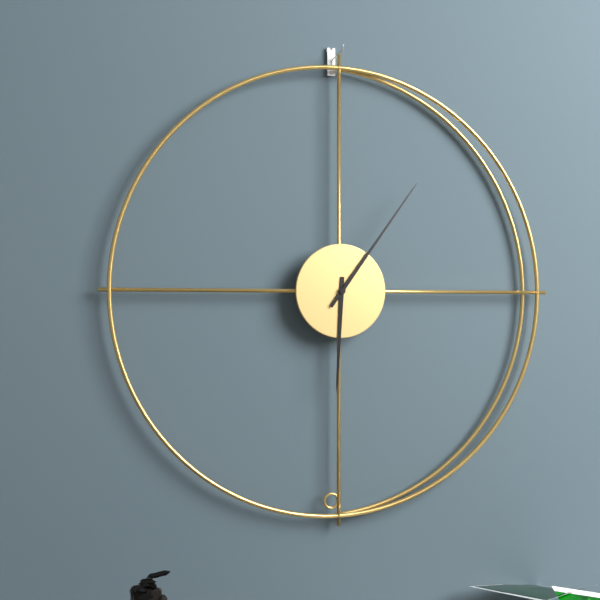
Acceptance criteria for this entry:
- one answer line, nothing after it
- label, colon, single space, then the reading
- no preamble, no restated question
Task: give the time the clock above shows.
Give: 6:06
